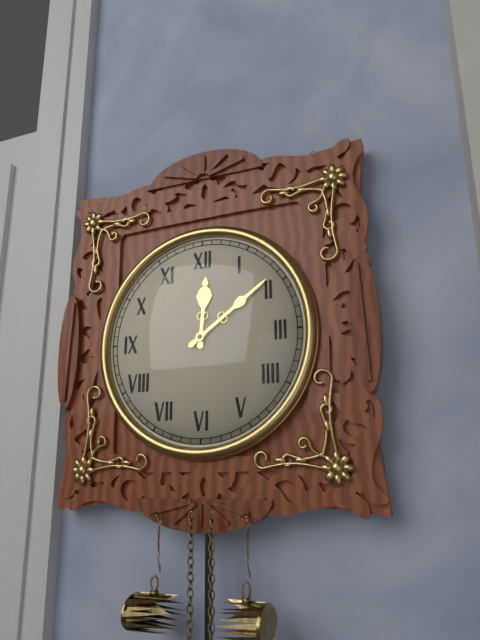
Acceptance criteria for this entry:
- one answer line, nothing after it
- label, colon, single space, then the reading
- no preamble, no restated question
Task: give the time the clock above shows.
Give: 12:09
